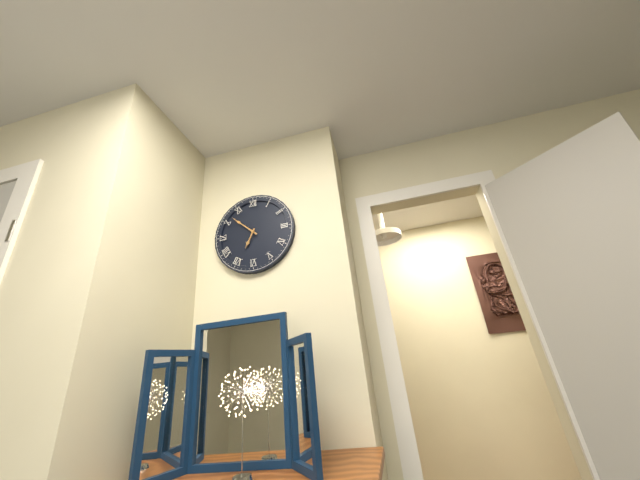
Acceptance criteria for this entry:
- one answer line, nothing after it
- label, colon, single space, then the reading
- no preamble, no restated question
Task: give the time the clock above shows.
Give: 6:52
